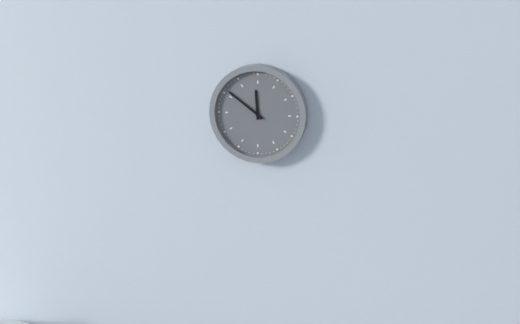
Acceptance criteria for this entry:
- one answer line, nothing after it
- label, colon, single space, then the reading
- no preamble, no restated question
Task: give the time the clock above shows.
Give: 11:51
